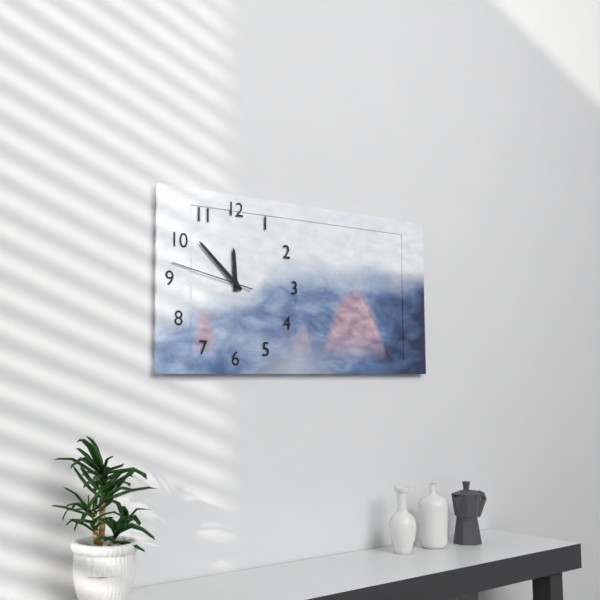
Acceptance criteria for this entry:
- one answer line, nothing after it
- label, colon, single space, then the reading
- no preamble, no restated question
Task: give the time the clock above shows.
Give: 11:52:47
